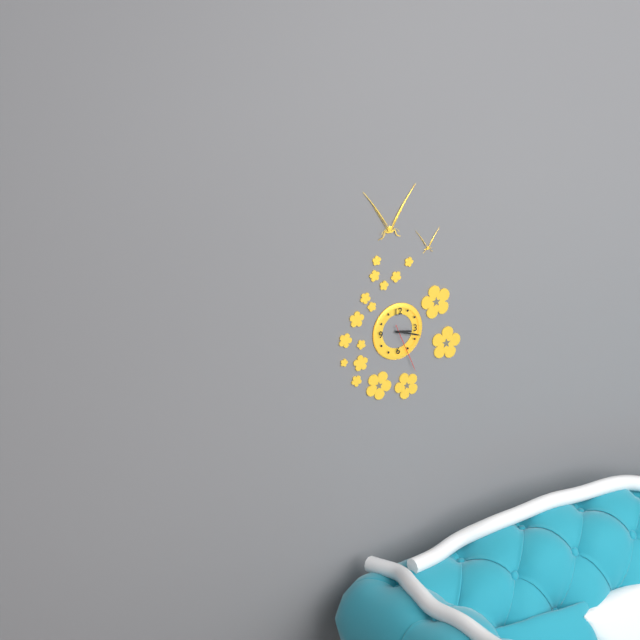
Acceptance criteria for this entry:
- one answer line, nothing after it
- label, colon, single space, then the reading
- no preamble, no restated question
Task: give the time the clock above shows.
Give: 3:18:26
